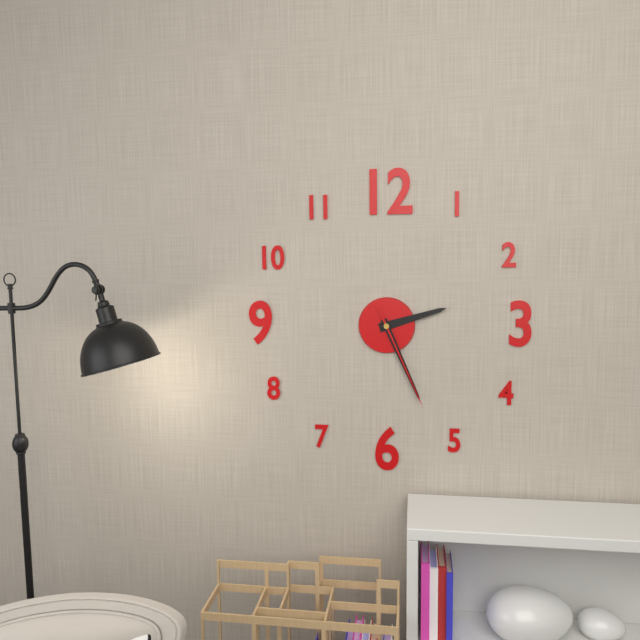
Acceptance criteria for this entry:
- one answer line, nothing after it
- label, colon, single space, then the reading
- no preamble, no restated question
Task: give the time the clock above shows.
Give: 2:26:26
